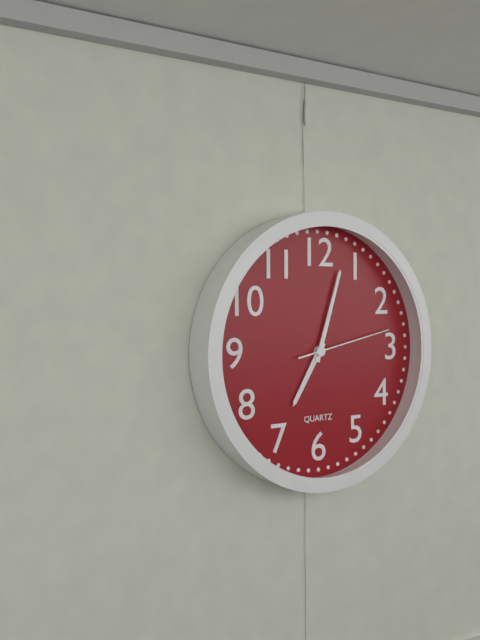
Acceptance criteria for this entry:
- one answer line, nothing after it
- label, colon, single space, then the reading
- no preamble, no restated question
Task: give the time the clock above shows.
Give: 7:03:13
